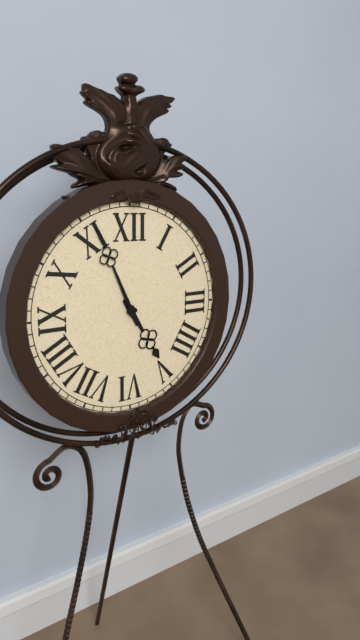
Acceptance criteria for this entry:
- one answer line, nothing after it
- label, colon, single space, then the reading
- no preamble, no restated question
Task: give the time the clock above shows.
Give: 4:56
